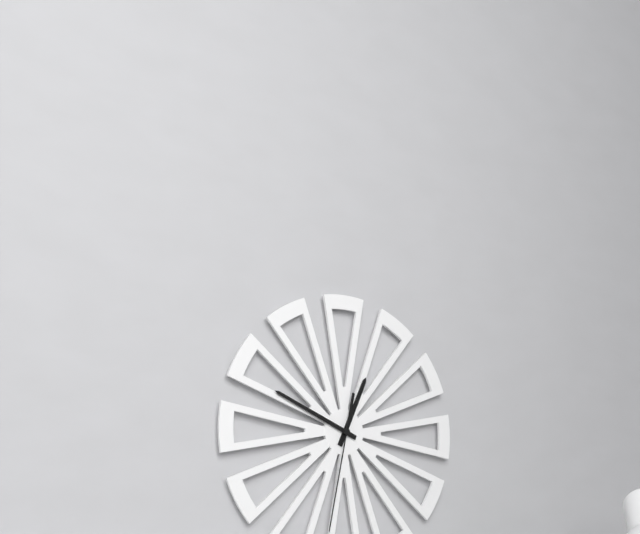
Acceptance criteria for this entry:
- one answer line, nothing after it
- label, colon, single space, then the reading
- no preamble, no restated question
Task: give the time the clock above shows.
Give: 12:49:32
